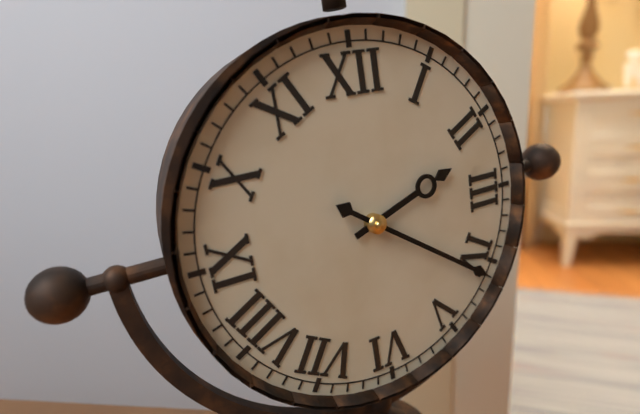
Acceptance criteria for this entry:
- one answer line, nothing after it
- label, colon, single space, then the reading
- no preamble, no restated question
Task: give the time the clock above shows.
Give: 2:21
